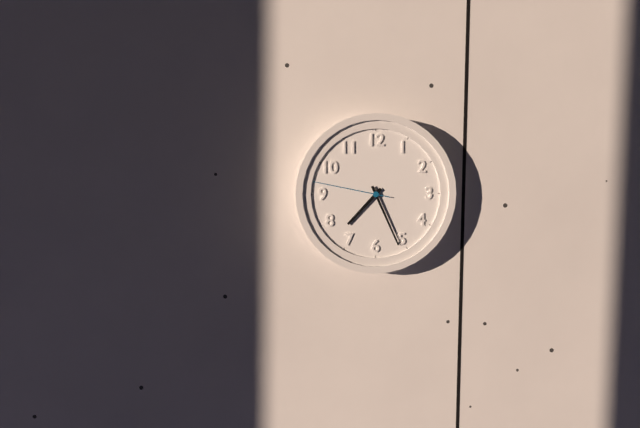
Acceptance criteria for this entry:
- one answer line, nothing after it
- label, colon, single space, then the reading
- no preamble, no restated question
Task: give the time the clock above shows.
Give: 7:26:47
